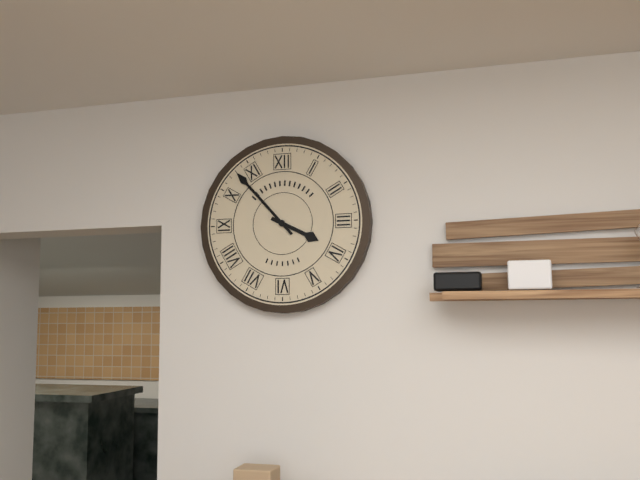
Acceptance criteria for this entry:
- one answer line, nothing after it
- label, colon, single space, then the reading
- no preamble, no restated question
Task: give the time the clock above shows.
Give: 3:53
